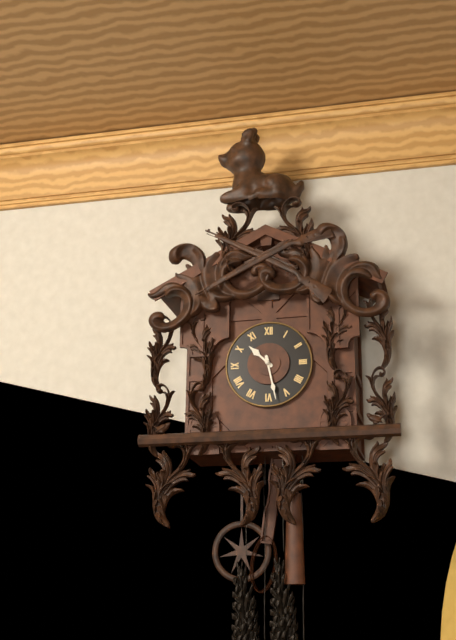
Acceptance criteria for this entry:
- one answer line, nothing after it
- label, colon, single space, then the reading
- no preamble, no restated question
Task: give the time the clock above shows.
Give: 10:28
